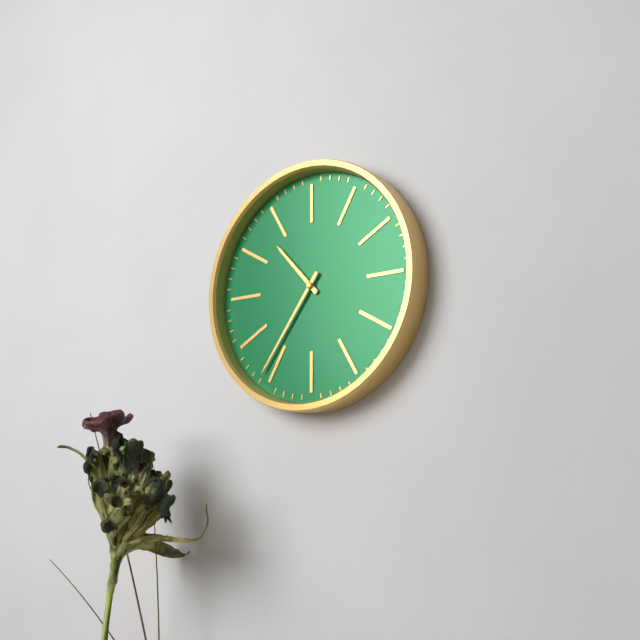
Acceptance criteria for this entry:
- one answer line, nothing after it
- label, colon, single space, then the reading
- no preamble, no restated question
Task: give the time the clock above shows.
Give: 10:36
